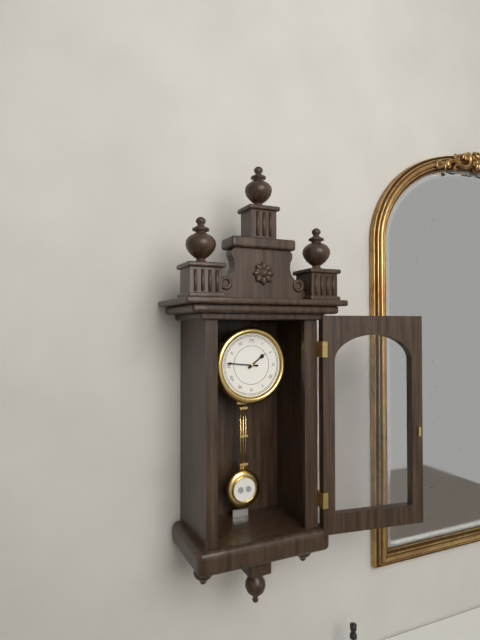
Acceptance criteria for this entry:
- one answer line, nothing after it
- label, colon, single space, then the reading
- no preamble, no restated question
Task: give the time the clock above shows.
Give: 1:46
